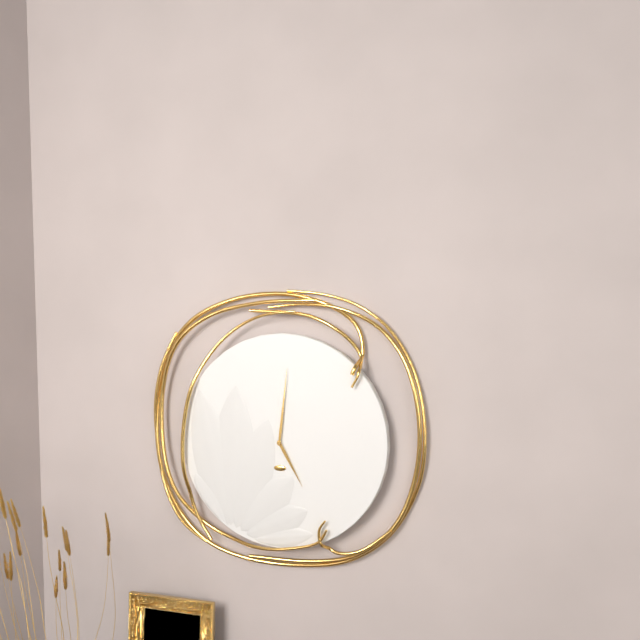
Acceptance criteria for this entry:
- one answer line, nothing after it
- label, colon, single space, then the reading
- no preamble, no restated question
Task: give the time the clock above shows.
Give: 5:01
